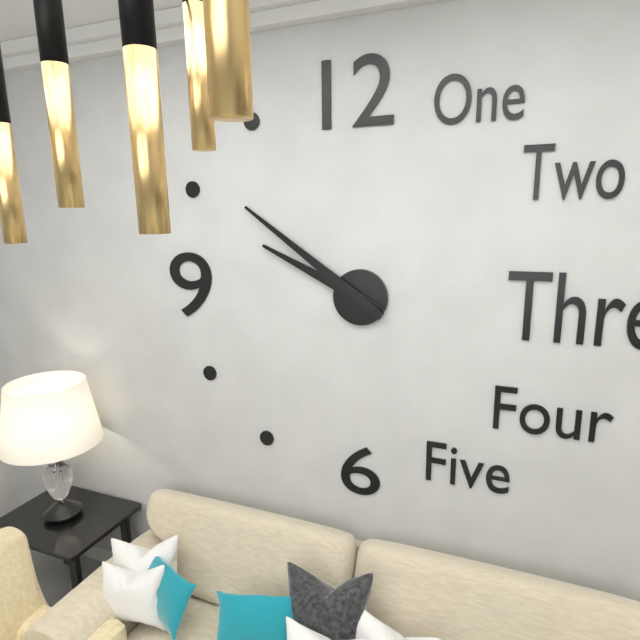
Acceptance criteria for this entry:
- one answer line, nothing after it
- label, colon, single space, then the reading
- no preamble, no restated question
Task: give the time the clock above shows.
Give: 9:51
